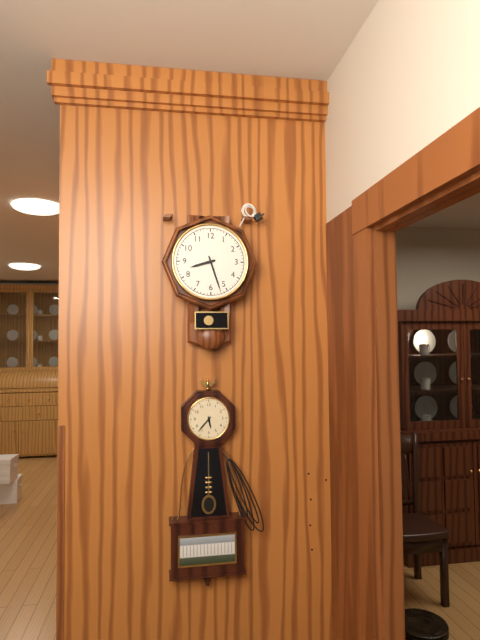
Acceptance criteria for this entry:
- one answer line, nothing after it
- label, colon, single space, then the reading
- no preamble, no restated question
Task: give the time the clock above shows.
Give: 8:27
